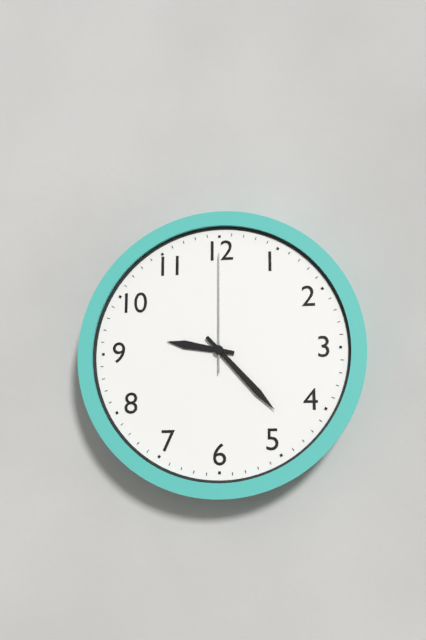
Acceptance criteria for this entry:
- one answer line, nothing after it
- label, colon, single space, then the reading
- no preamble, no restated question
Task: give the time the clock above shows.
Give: 9:23:00
